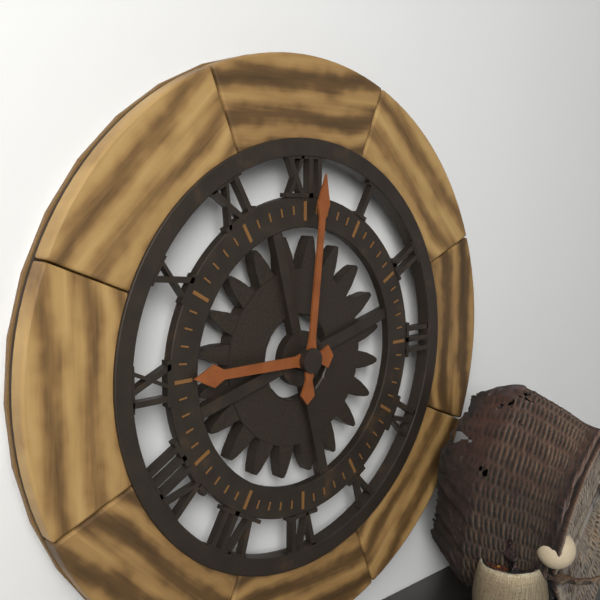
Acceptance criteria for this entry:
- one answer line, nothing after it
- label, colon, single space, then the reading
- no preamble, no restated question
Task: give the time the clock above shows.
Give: 9:01
